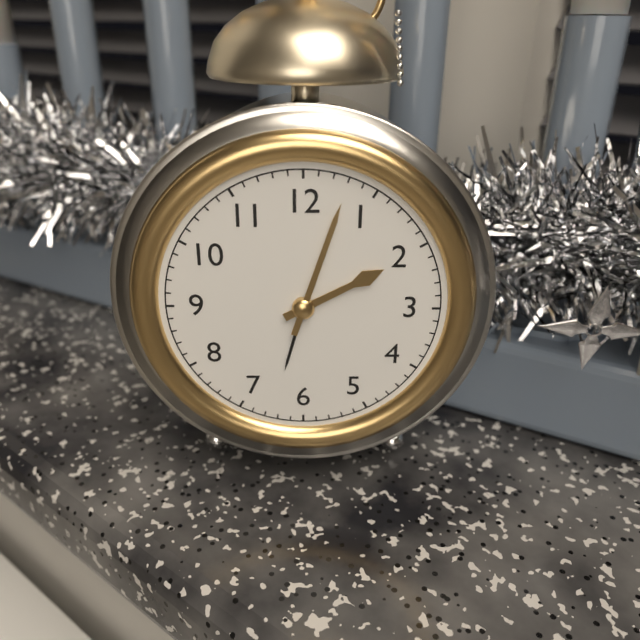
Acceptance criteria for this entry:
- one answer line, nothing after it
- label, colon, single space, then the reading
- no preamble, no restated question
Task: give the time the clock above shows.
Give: 2:03
